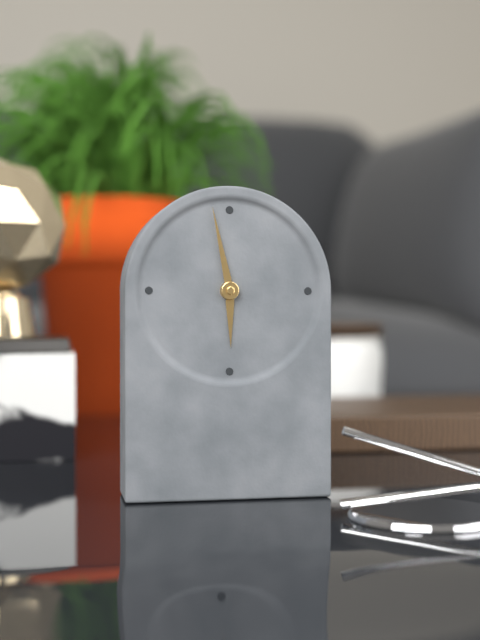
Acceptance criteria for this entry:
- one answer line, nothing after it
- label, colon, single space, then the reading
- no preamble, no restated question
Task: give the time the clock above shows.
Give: 5:58
